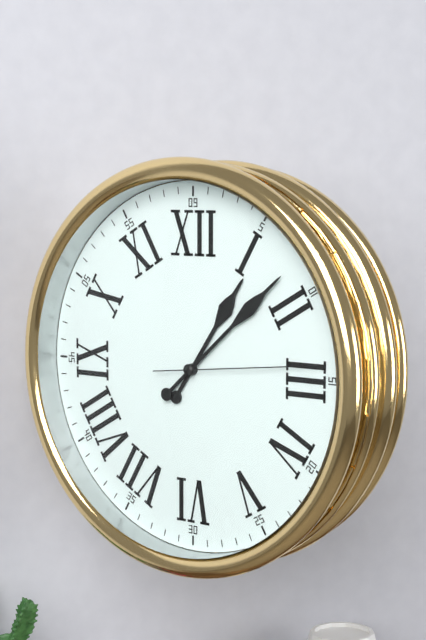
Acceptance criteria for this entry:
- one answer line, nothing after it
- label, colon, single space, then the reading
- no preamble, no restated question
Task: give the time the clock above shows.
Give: 1:08:14
